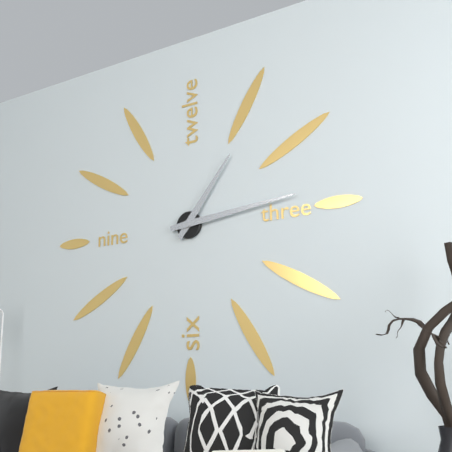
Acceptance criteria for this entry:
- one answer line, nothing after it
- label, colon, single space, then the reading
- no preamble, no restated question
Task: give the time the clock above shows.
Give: 1:14
